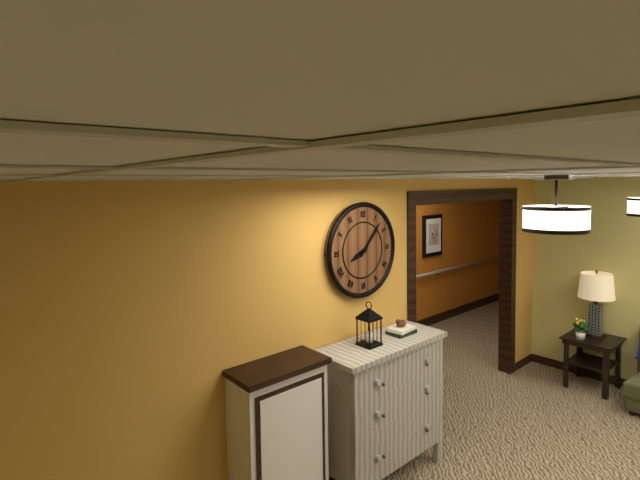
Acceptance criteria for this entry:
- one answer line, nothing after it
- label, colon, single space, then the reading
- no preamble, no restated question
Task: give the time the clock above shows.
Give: 8:07
